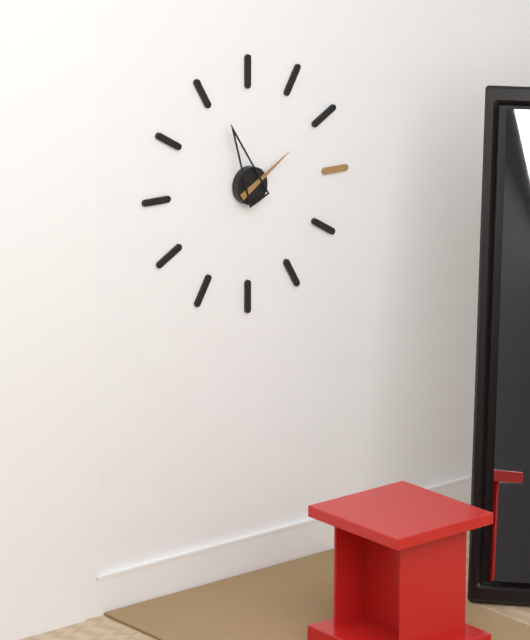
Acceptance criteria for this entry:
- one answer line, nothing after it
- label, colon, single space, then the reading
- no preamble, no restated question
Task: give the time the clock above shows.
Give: 1:56
